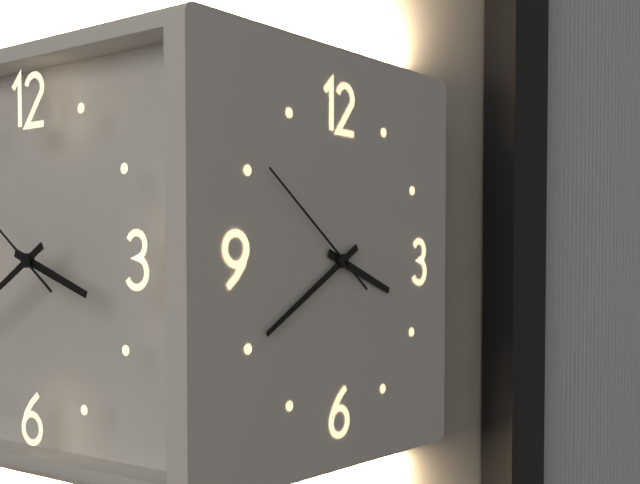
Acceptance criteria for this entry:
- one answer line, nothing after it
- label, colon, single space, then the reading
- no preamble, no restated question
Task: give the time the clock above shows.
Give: 3:40:51
